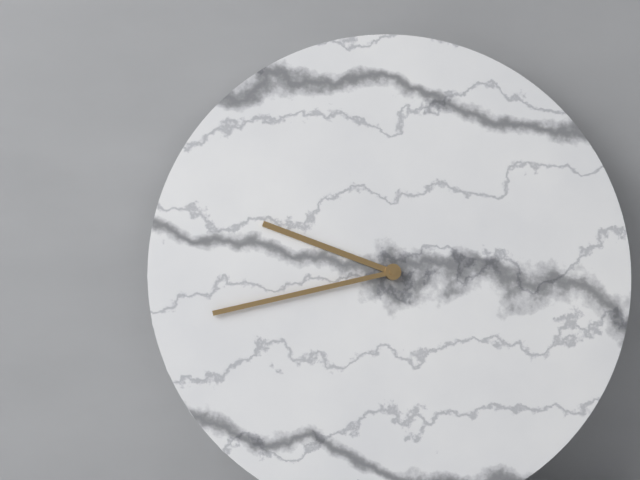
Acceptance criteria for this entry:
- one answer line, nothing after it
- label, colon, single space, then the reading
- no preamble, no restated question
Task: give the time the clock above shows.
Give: 9:43
